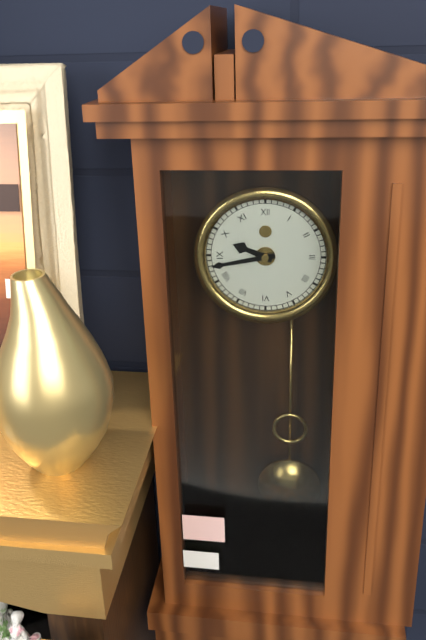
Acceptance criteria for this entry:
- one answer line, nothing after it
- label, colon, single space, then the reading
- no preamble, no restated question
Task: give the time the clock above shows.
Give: 9:43
